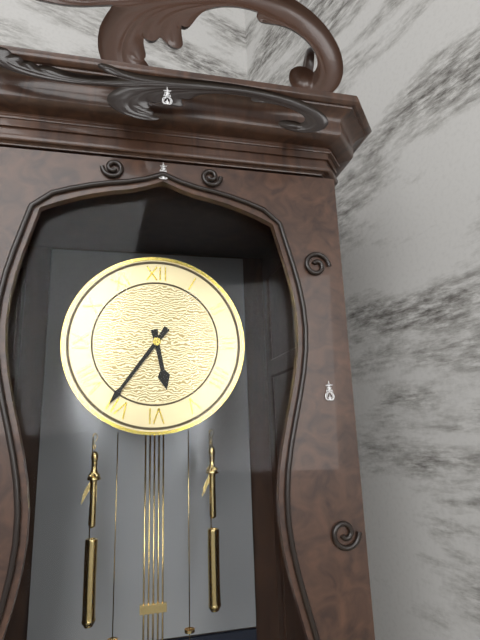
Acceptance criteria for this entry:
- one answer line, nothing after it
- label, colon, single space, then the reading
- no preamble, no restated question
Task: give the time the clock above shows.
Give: 5:36
